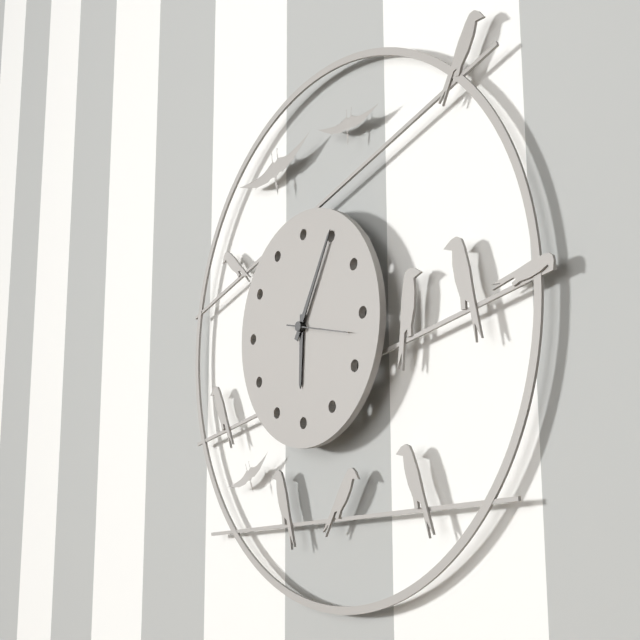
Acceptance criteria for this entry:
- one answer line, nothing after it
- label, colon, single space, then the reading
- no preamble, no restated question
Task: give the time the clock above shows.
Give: 6:05:17
